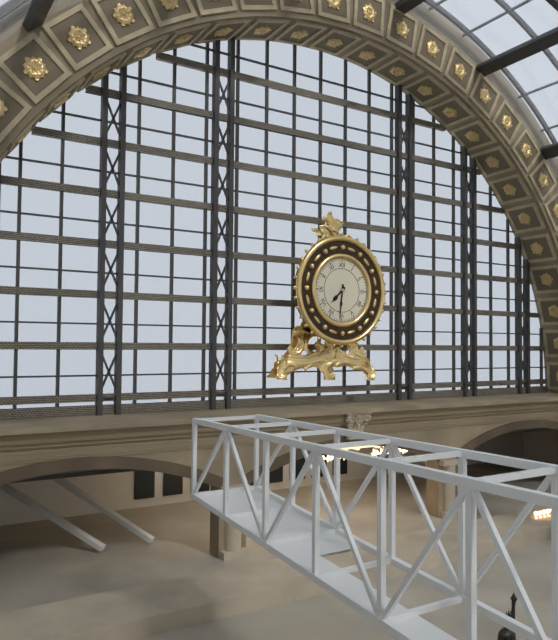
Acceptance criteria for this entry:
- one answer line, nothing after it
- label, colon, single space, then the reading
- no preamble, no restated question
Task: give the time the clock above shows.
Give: 7:31
